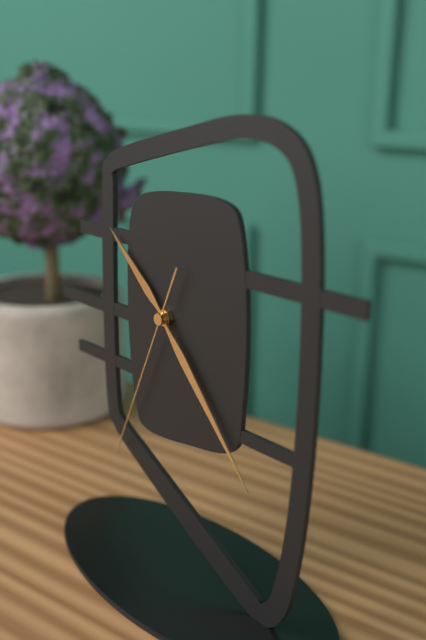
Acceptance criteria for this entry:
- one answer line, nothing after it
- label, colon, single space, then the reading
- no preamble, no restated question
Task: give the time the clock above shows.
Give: 10:23:34
